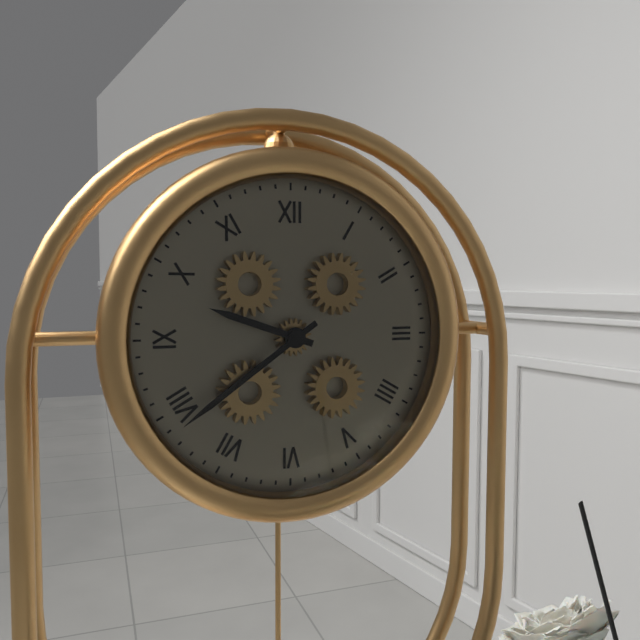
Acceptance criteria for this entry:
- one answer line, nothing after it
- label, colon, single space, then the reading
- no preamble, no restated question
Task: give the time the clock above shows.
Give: 9:39
